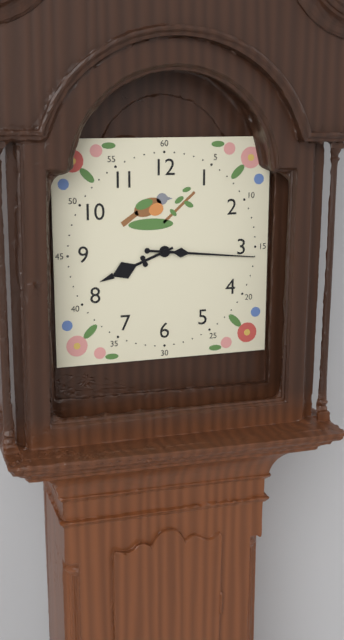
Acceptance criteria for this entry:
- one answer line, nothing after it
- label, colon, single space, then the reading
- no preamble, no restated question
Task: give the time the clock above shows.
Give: 8:16
